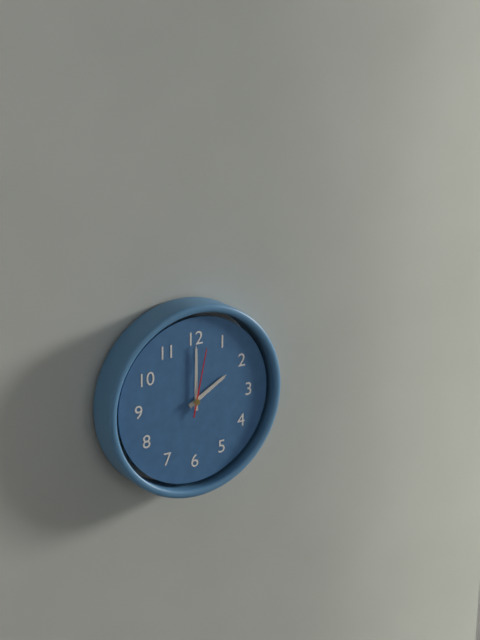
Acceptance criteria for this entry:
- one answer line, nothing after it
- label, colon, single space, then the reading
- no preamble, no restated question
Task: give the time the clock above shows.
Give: 2:00:02
